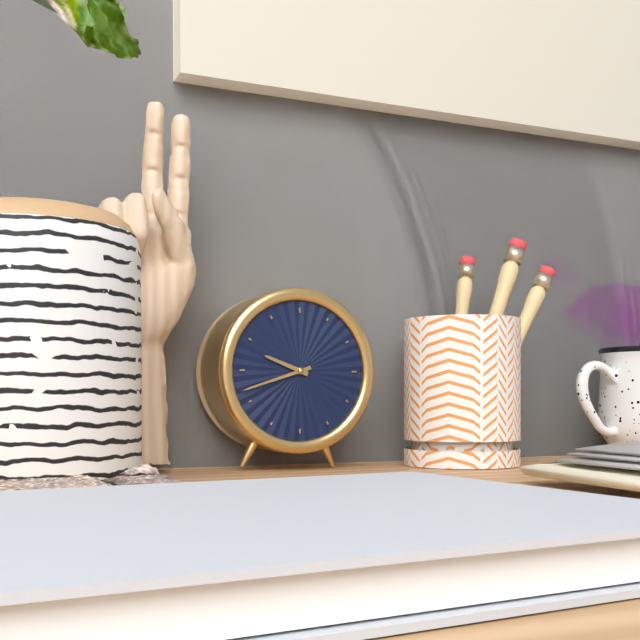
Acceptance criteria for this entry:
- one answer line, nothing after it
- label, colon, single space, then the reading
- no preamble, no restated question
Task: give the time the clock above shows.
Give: 9:42
